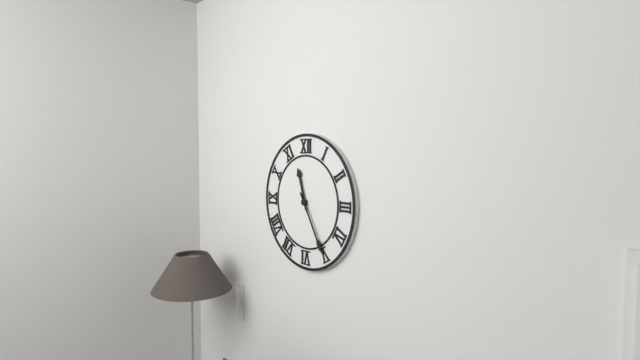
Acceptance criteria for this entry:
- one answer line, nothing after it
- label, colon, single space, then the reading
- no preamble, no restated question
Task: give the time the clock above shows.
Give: 11:25
